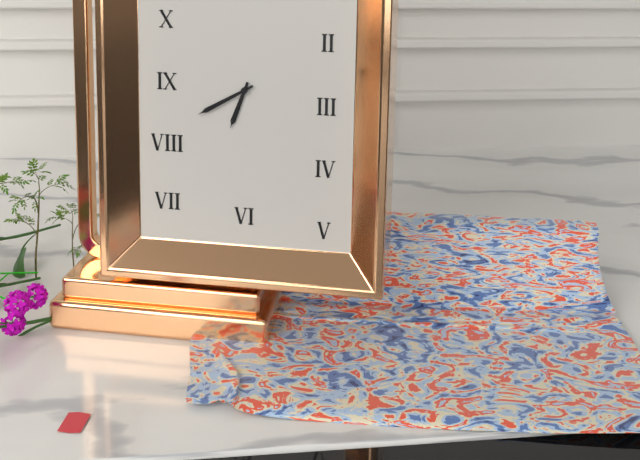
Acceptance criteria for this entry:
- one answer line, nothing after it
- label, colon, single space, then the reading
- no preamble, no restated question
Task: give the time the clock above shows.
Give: 6:40
